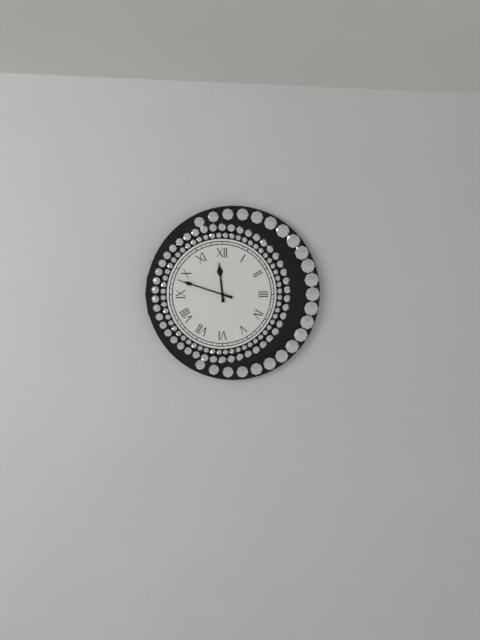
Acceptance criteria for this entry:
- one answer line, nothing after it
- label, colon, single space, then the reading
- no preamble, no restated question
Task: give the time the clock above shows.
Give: 11:48
